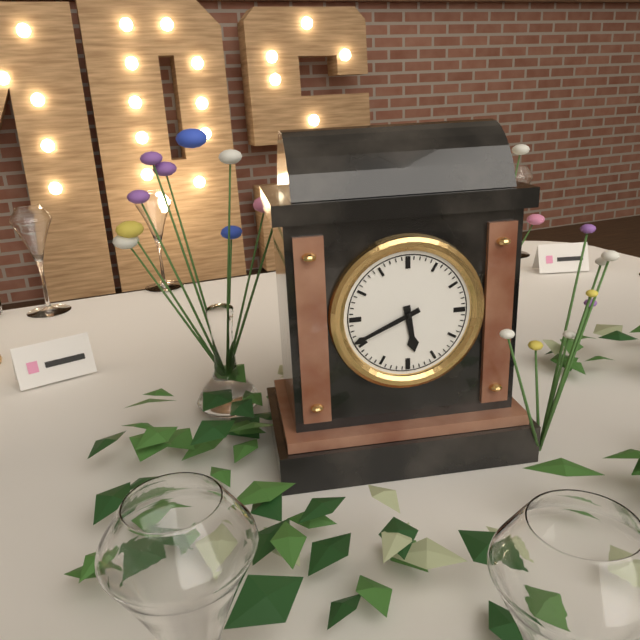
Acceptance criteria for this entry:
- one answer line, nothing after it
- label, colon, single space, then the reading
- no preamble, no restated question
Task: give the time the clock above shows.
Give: 5:41
